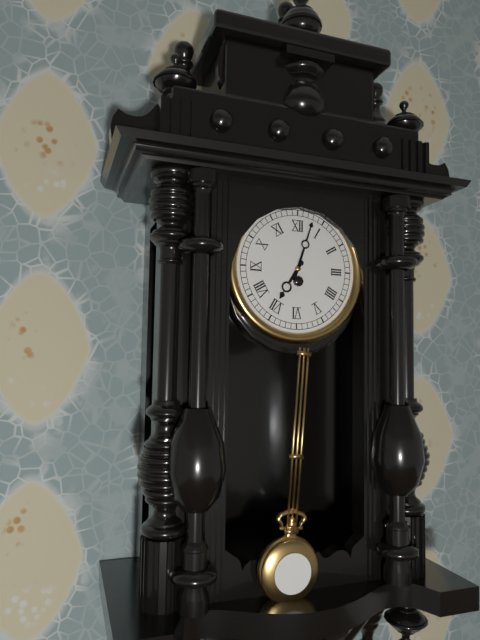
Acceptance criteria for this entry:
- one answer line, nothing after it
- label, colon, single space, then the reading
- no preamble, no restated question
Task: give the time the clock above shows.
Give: 7:03
